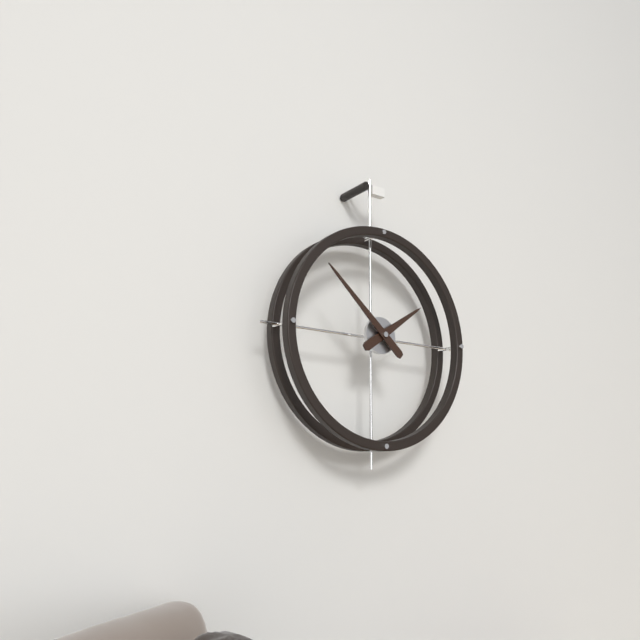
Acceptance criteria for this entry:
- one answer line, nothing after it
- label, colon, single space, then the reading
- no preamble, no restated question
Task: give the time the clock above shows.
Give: 1:52
